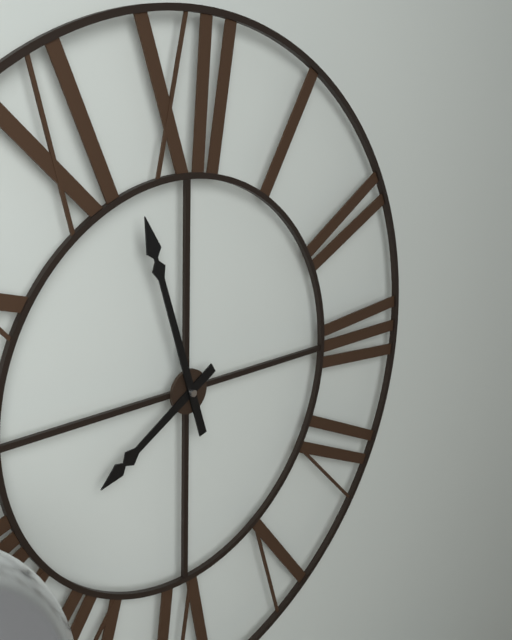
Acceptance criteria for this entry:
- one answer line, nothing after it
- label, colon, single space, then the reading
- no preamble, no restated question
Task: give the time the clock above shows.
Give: 7:57
